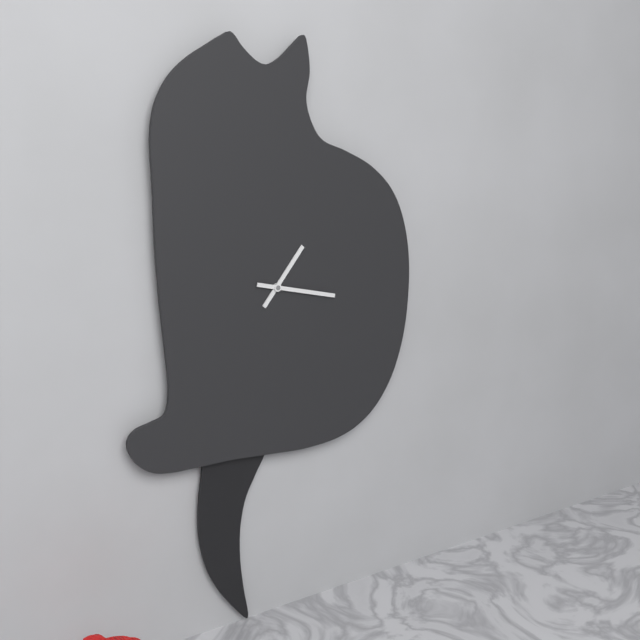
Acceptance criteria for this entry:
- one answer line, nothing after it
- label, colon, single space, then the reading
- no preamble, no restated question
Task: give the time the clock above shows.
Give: 1:17
